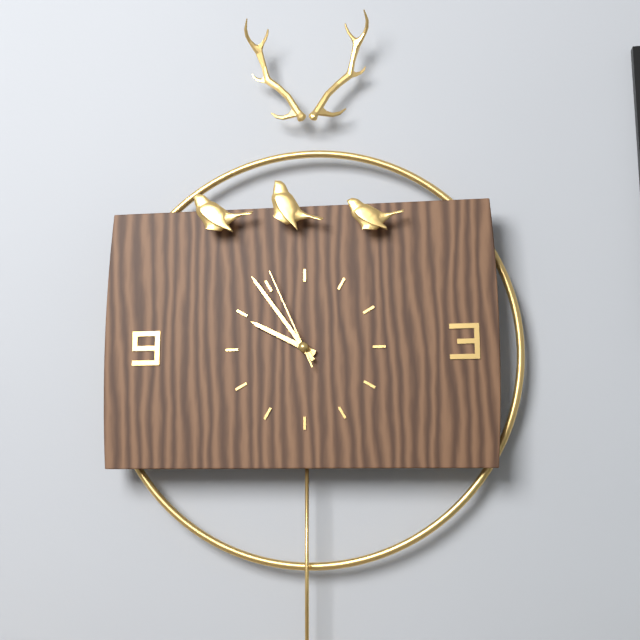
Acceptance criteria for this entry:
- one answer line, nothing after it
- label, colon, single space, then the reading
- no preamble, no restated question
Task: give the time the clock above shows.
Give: 9:54:56
